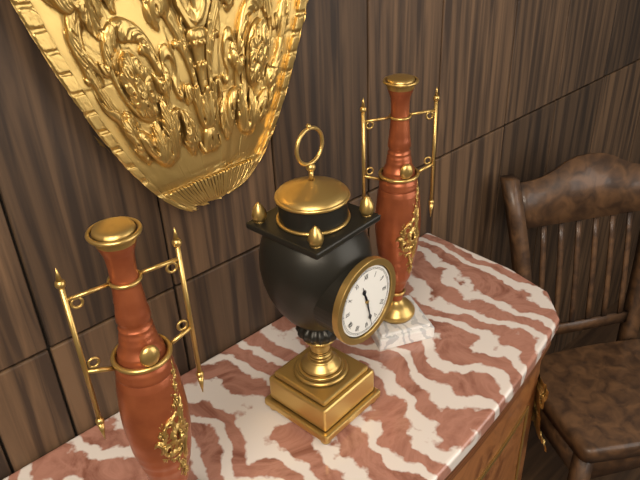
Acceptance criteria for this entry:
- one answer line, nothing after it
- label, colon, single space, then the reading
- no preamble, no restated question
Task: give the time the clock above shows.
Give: 11:28
